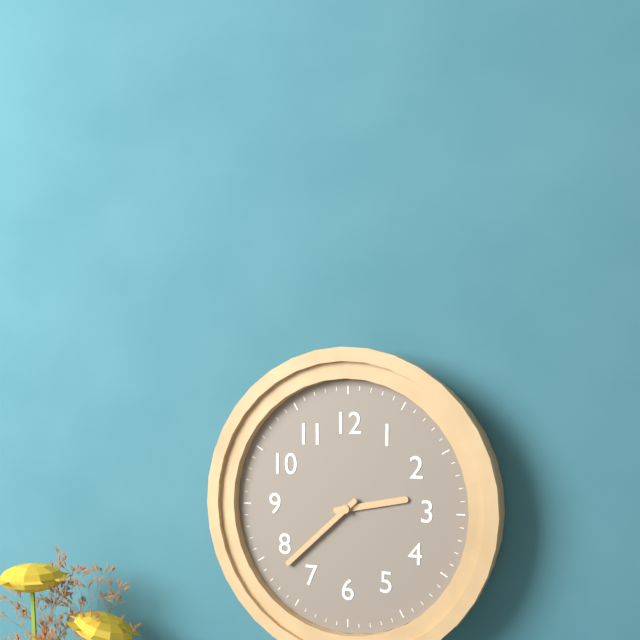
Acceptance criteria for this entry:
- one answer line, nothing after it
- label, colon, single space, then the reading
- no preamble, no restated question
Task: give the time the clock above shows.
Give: 2:38
